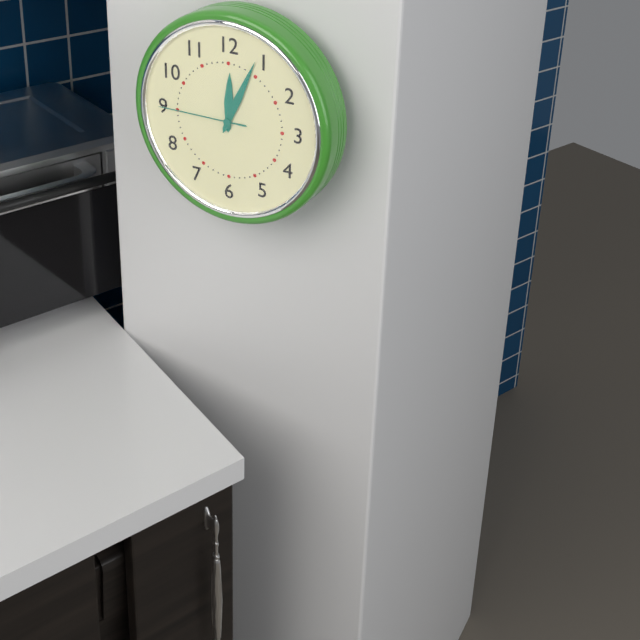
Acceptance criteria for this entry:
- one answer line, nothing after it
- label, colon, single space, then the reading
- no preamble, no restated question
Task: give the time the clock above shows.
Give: 12:04:45
